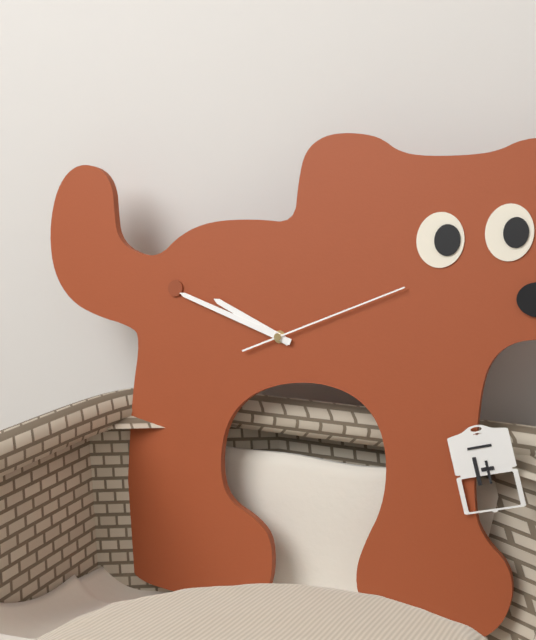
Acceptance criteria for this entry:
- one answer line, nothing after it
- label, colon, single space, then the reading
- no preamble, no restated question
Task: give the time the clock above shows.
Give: 9:48:11
